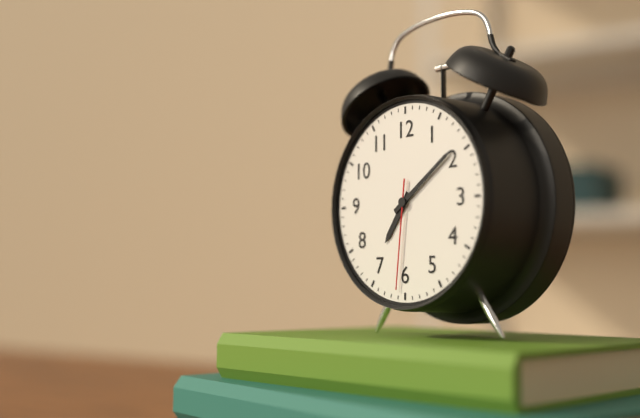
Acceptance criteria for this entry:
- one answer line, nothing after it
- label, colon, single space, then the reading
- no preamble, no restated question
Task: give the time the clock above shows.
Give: 7:09:31
